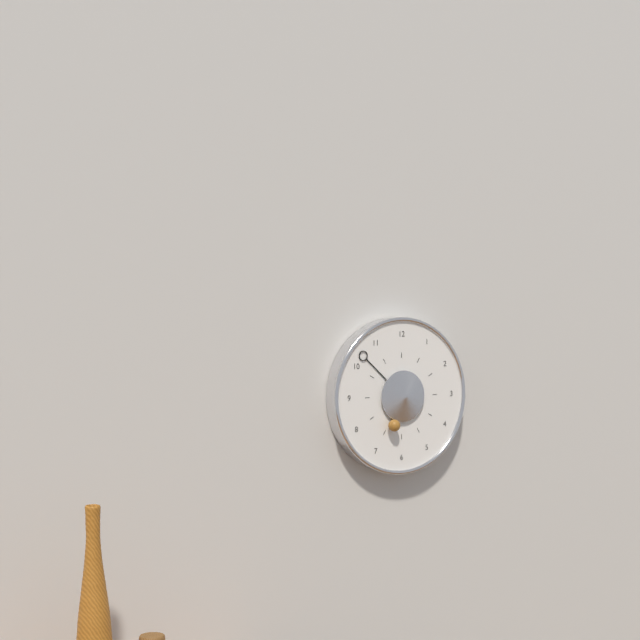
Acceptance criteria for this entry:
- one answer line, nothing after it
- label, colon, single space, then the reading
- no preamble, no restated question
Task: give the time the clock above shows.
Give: 6:52
